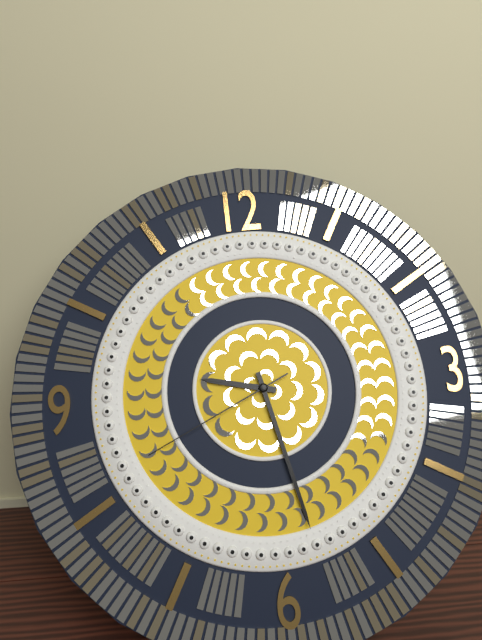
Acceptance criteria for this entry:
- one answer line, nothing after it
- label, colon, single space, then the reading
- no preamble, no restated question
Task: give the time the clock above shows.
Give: 9:28:41
